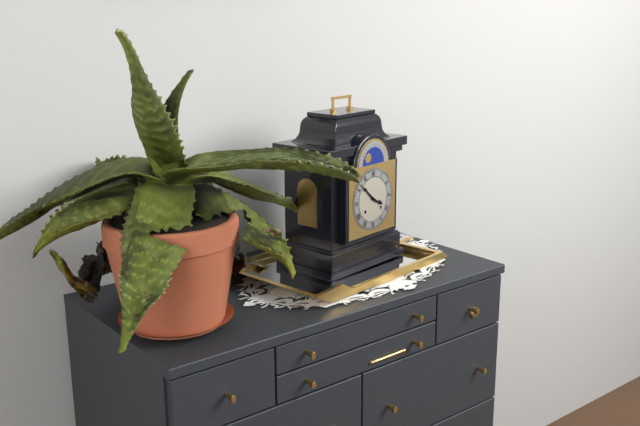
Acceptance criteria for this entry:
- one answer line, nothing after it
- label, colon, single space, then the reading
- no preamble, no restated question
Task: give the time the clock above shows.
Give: 3:52
